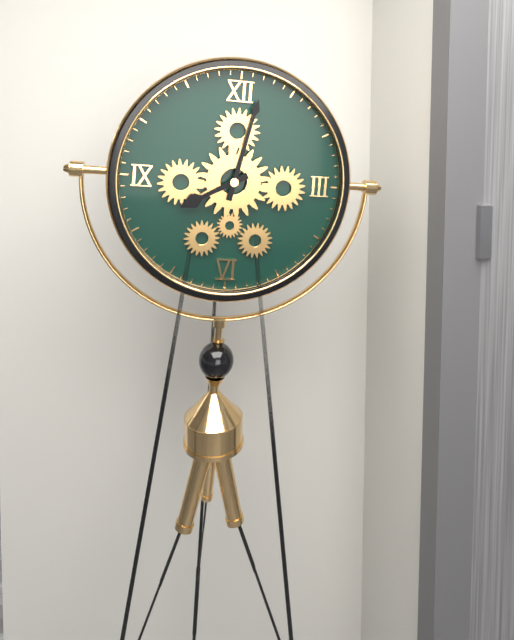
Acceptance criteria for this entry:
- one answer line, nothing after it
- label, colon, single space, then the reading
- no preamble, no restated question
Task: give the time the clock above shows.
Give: 8:02
